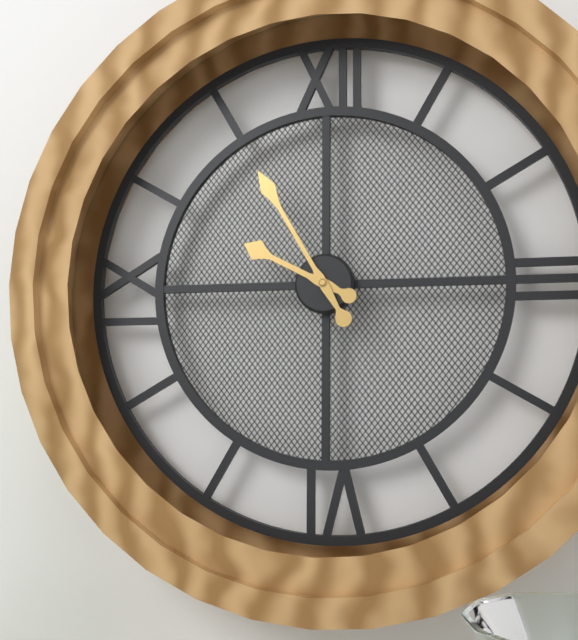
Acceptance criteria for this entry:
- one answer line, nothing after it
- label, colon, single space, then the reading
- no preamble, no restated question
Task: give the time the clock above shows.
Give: 9:55
